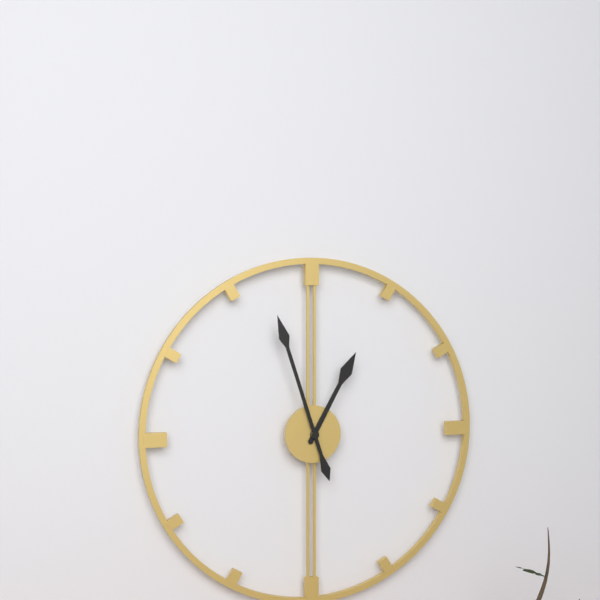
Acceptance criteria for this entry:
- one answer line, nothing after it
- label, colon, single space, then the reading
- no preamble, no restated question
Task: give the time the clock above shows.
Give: 12:57
